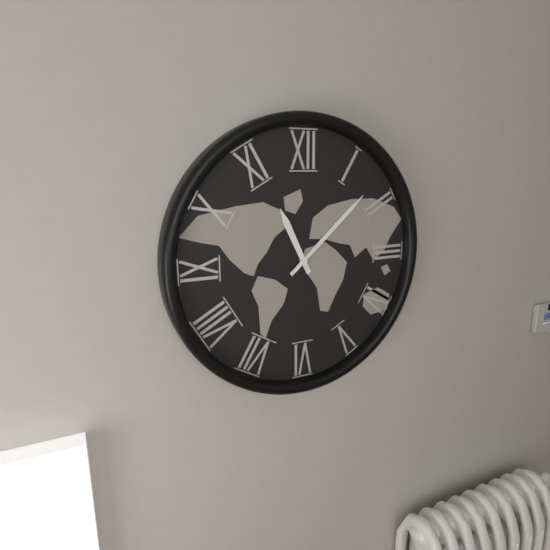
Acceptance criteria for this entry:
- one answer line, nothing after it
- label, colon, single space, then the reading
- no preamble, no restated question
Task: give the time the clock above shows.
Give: 11:08
